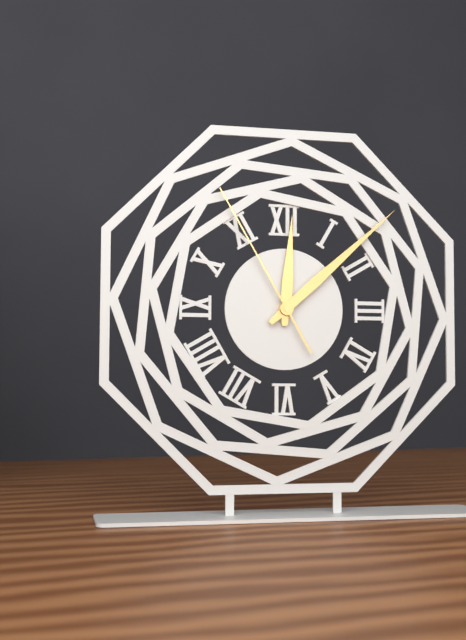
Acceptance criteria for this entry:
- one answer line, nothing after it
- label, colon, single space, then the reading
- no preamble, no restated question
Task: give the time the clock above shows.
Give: 12:08:55
